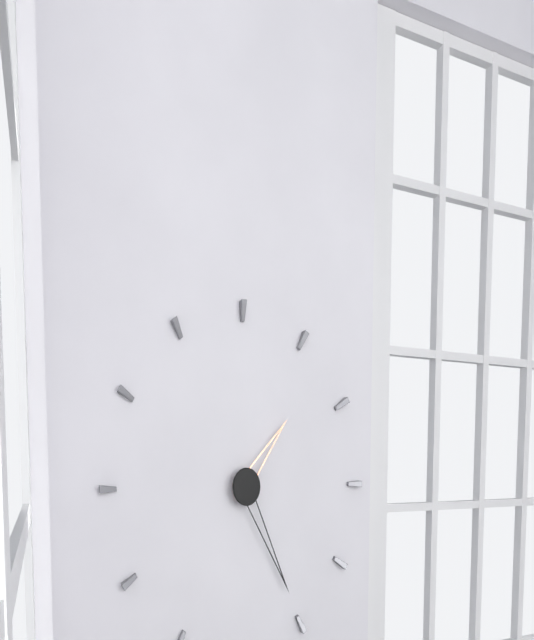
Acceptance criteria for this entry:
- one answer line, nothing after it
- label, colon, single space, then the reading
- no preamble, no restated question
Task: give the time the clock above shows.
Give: 1:25
